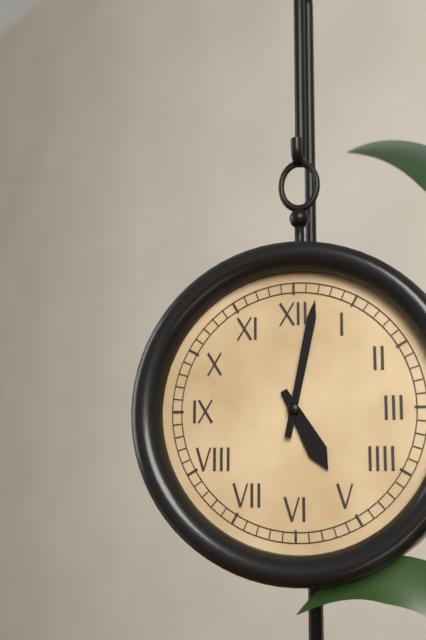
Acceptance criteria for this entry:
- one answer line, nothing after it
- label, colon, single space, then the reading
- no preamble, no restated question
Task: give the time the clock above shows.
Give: 5:02
